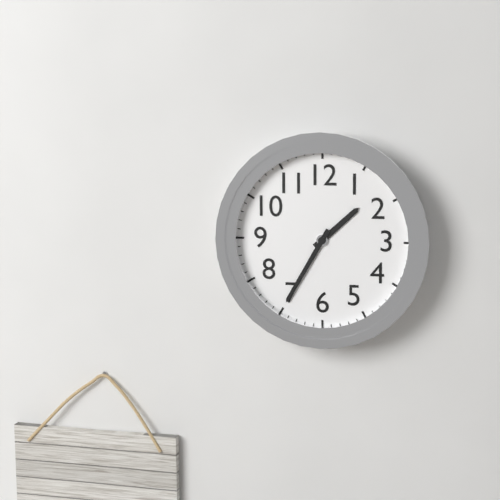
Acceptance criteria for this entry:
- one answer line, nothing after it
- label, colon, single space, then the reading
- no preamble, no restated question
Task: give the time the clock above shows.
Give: 1:35
